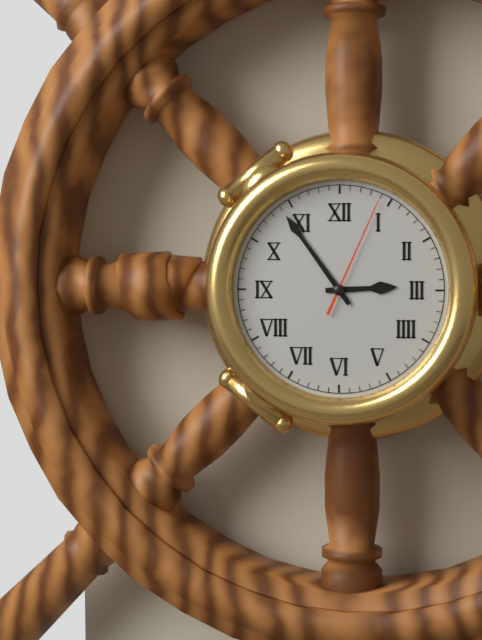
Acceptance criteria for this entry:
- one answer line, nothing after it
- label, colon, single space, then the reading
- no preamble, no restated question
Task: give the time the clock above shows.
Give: 2:54:04
